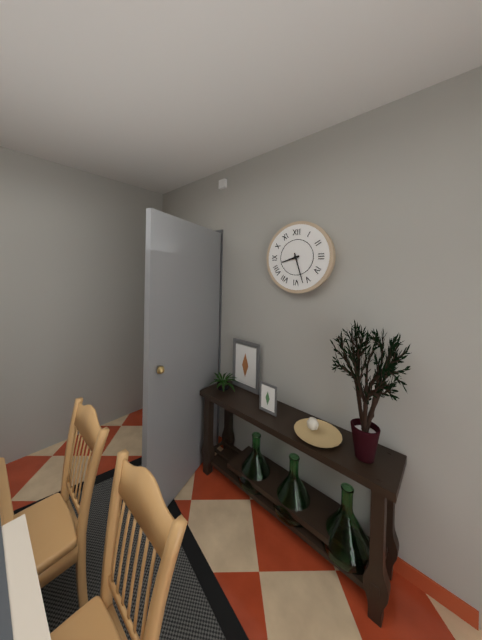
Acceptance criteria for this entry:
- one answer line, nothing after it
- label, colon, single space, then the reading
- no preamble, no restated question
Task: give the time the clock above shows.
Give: 8:27
